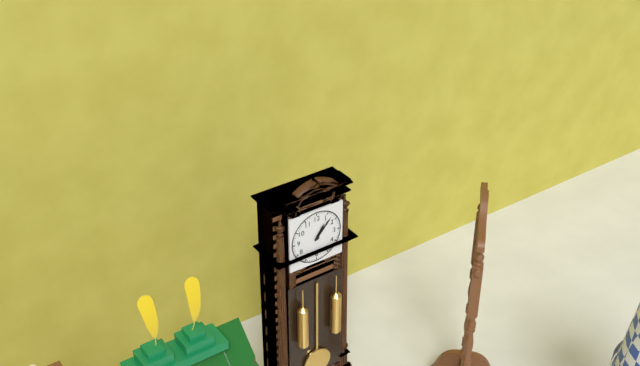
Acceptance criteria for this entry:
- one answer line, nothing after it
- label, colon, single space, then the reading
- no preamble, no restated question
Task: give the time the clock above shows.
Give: 1:07
